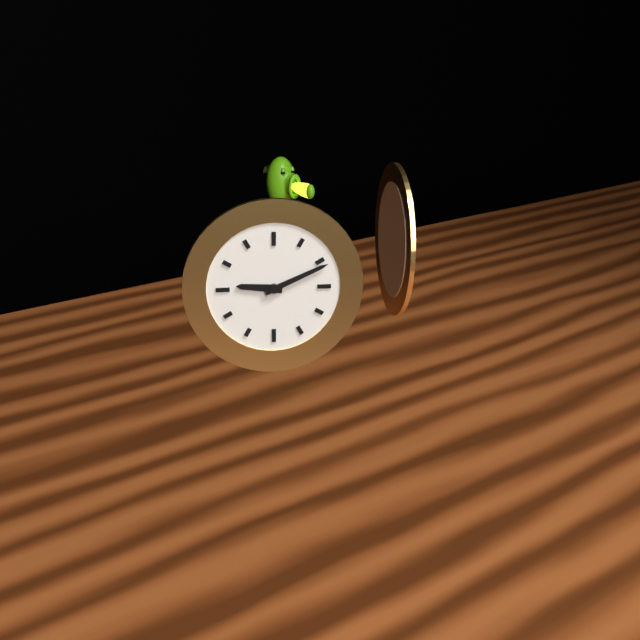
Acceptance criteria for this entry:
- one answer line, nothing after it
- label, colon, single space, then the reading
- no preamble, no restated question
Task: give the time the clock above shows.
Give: 9:11
